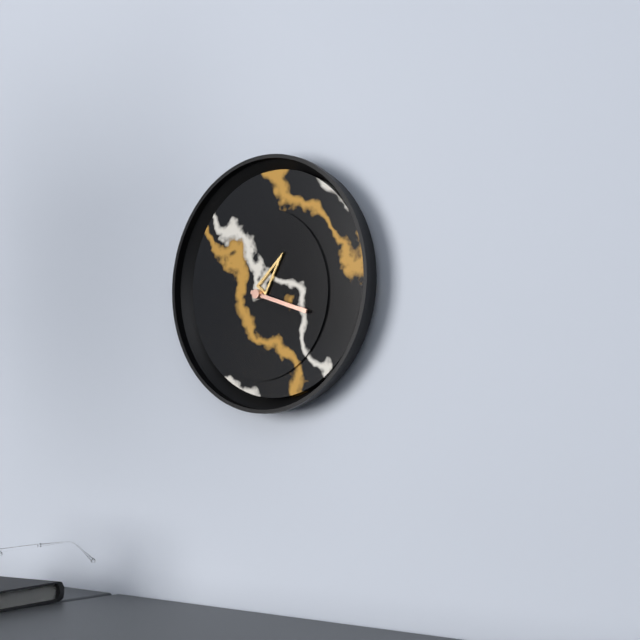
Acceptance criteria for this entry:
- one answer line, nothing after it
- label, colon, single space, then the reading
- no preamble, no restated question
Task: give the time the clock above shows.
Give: 1:18
